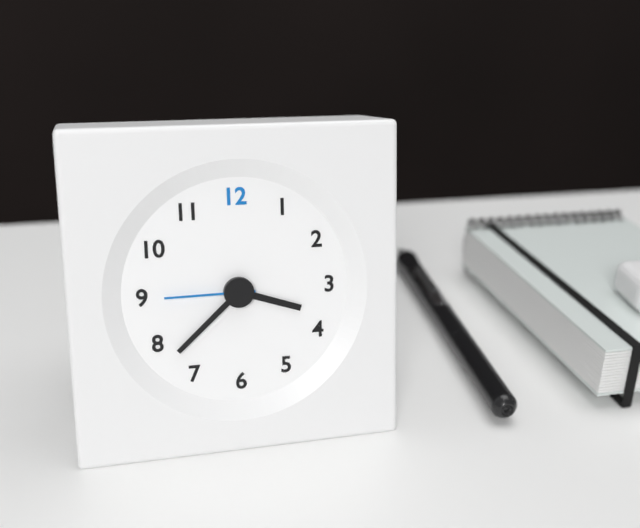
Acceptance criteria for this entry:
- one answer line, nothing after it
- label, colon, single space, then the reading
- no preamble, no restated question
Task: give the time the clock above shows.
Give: 3:38:45
